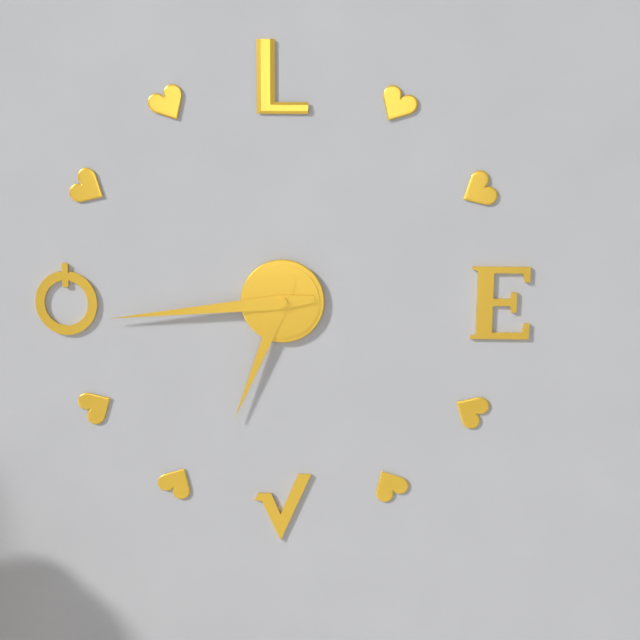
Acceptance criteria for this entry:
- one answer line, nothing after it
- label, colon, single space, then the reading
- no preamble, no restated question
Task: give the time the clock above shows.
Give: 6:44
